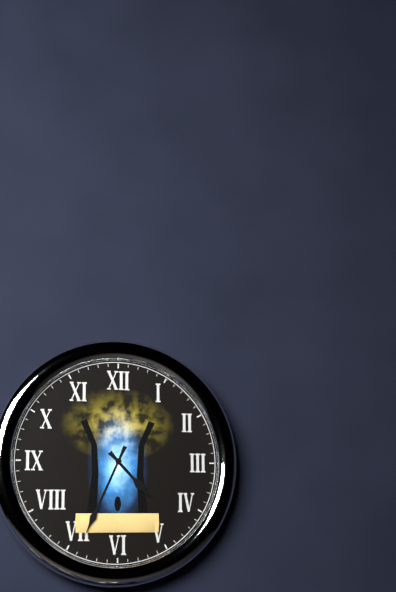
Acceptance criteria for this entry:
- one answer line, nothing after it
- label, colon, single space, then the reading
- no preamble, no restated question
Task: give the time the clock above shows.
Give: 4:34
